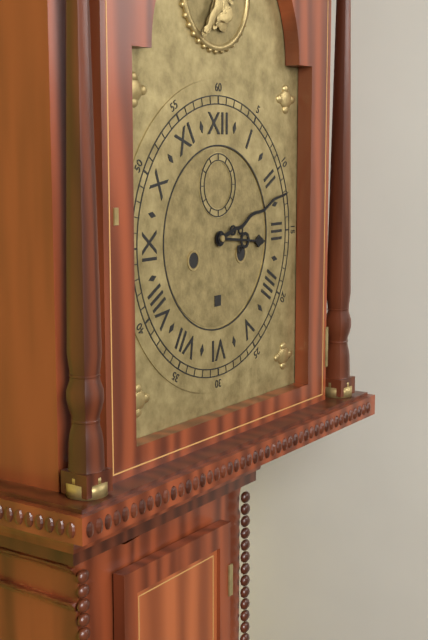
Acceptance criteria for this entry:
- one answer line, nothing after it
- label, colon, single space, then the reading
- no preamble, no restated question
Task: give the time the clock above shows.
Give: 3:12
